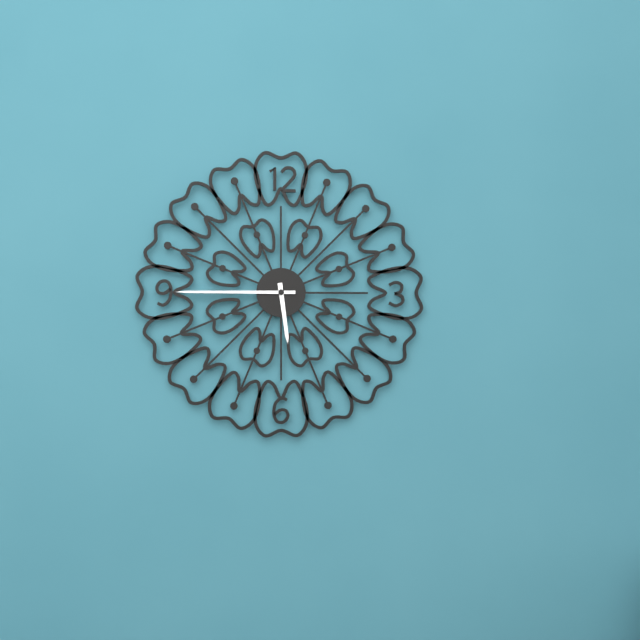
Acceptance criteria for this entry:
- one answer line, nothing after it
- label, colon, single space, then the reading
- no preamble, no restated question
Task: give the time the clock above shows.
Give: 5:45
